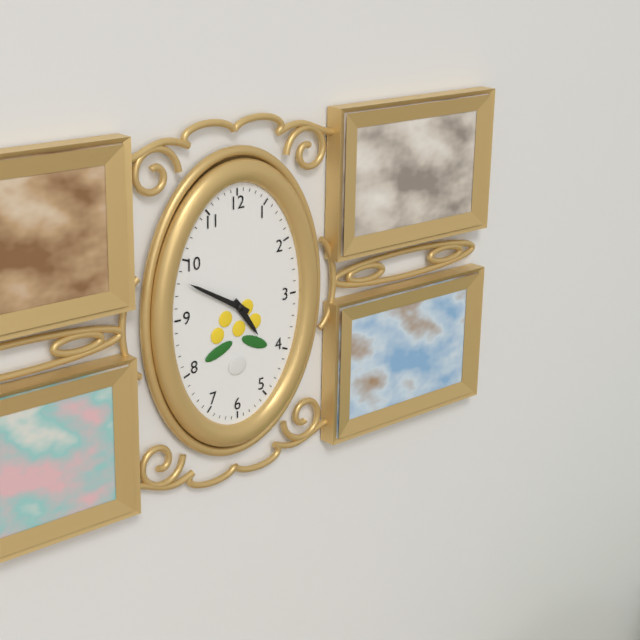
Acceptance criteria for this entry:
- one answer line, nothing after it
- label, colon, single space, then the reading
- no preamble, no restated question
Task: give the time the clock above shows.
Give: 4:50
